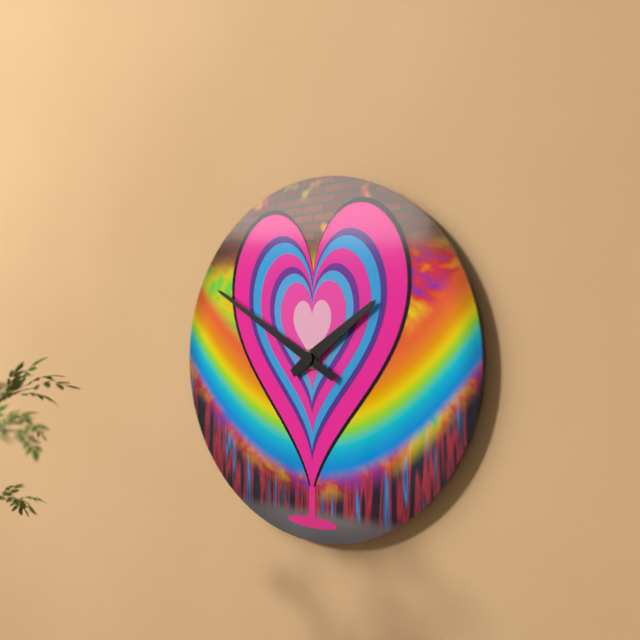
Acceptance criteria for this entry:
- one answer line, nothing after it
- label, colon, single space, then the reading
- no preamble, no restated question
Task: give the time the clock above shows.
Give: 1:50
